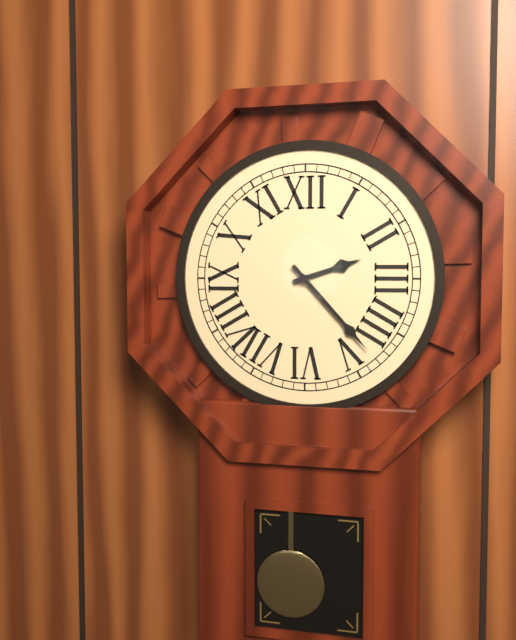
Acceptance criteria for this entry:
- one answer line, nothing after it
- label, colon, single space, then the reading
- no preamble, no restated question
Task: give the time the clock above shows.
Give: 2:23
